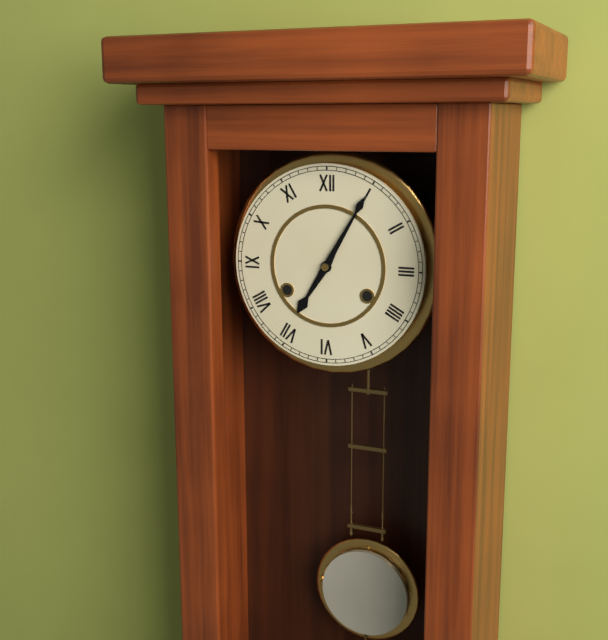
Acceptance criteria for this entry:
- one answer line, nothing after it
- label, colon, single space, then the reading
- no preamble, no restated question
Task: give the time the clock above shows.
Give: 7:05
